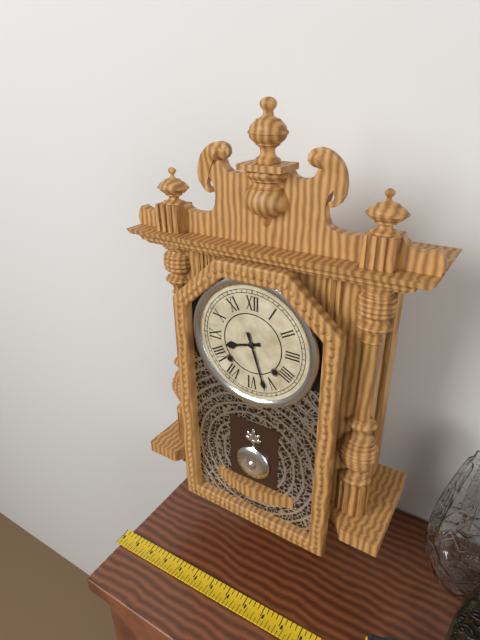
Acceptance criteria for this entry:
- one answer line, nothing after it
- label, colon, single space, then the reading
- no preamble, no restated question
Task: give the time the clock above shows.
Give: 8:27
